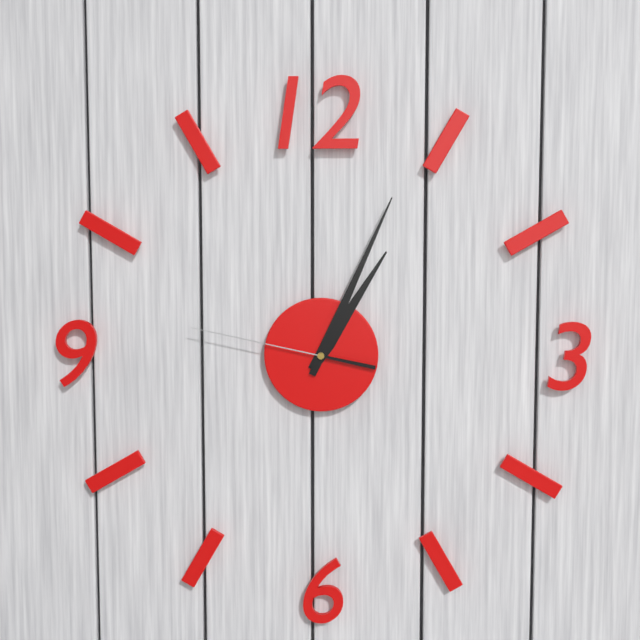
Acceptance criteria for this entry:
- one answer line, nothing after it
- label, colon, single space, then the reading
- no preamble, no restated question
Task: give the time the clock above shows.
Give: 1:04:47
